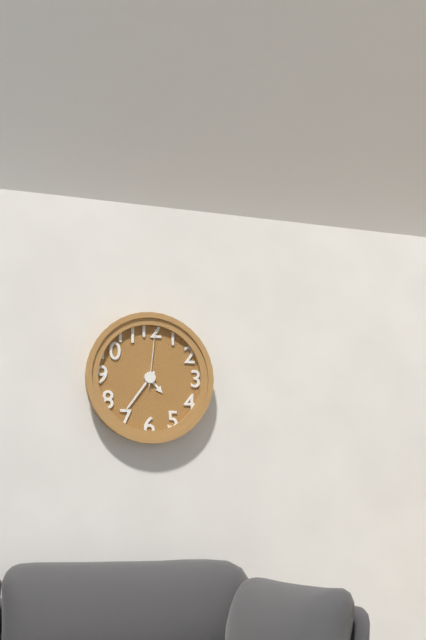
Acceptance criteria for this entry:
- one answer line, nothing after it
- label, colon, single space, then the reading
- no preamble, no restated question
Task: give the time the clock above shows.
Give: 4:36:01
